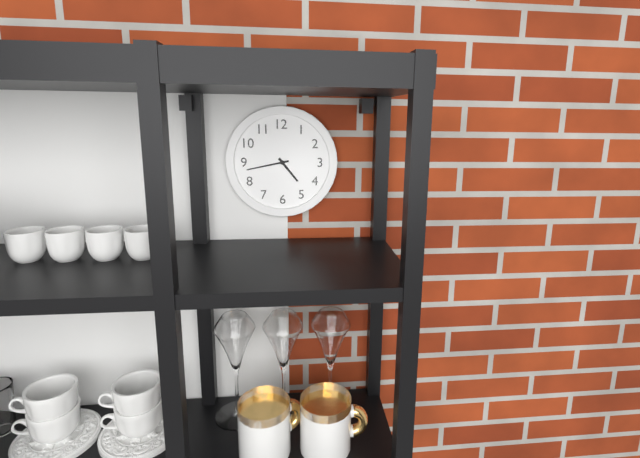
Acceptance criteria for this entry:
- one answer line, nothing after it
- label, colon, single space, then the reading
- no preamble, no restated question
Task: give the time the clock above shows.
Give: 4:43
